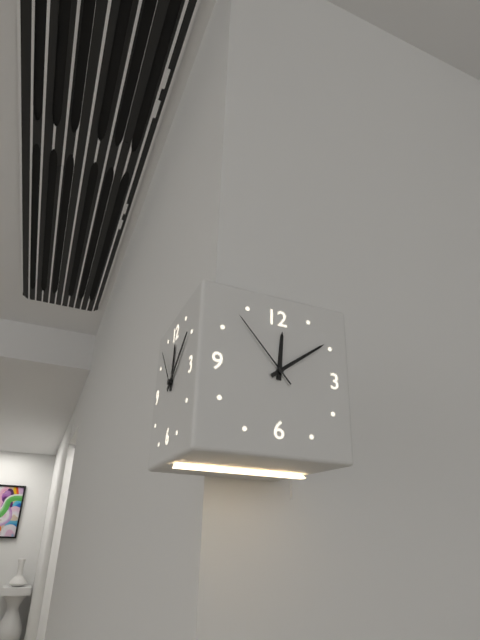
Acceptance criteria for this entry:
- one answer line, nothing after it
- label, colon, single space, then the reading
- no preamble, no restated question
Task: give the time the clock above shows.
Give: 12:09:53
